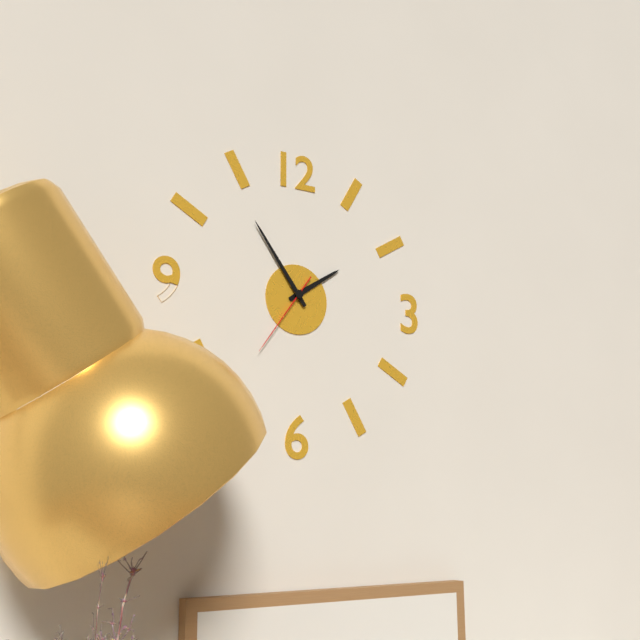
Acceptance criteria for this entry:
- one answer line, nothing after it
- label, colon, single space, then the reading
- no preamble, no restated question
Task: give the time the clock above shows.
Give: 1:54:36
